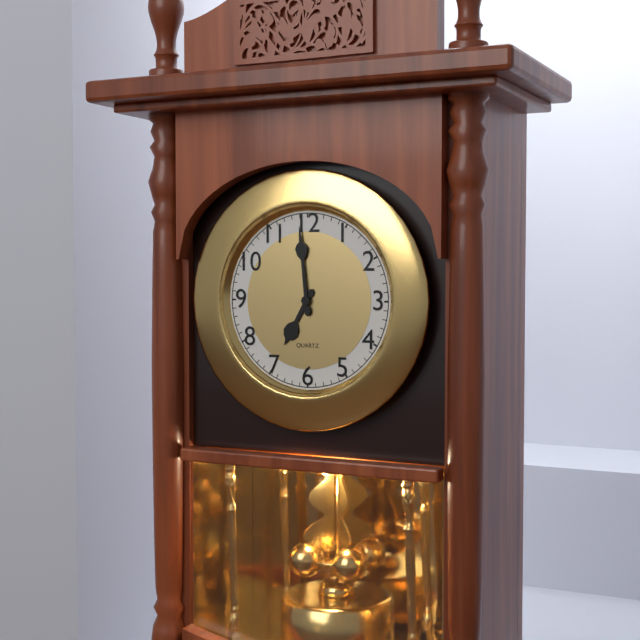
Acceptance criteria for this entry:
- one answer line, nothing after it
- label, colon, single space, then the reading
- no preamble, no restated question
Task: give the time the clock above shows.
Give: 6:59
